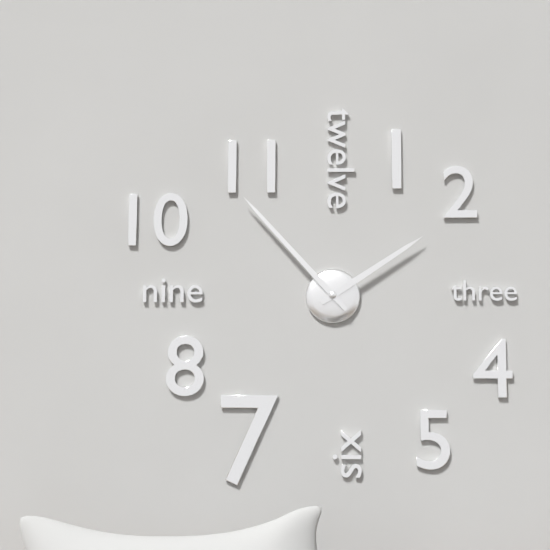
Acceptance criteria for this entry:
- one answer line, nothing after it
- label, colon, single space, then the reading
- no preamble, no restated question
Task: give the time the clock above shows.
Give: 1:53
